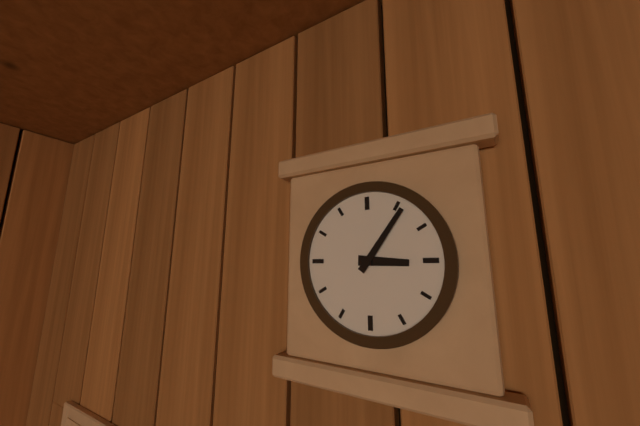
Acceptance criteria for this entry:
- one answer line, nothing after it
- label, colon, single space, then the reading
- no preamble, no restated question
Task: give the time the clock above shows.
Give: 3:06
